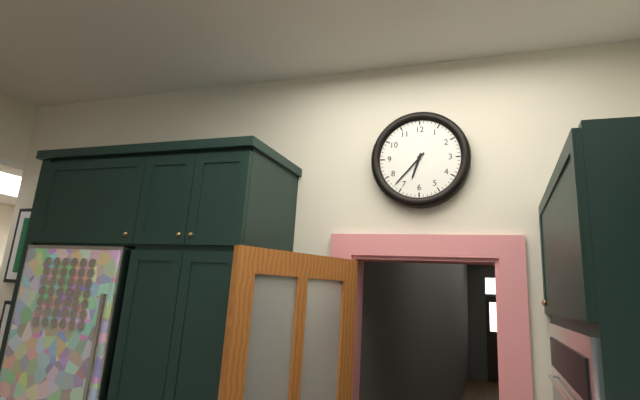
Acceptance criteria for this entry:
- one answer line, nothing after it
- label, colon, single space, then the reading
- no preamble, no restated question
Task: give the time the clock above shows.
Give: 6:37
